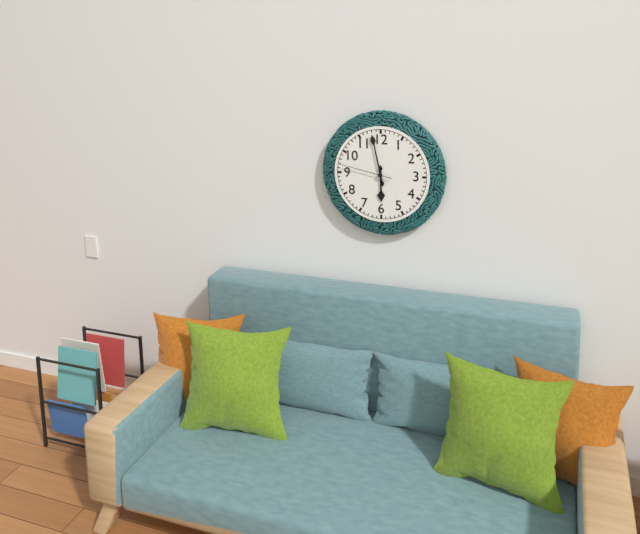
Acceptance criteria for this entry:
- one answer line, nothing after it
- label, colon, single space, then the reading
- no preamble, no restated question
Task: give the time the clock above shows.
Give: 5:58:47
